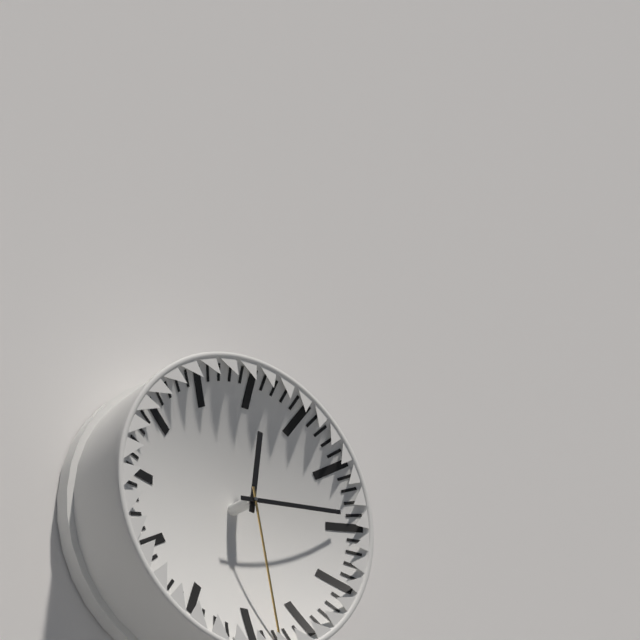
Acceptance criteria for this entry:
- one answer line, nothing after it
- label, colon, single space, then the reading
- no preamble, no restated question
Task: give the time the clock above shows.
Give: 12:14
